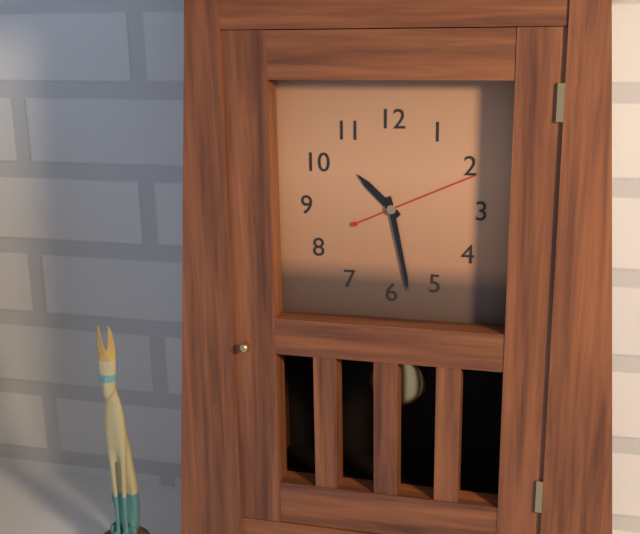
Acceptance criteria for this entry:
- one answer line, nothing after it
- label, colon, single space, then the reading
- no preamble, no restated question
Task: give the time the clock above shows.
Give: 10:28:11
